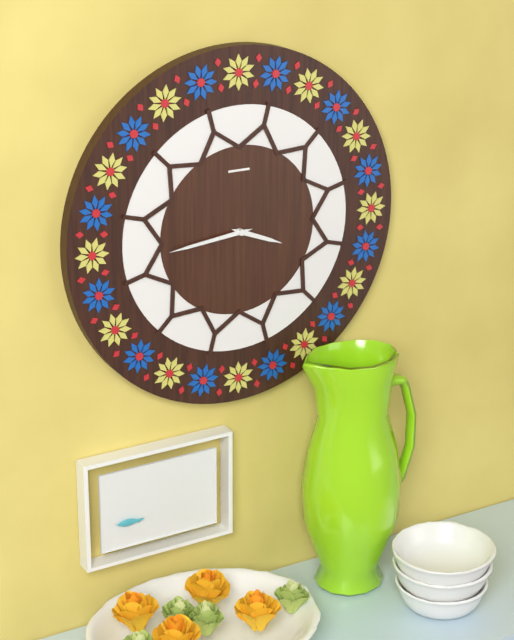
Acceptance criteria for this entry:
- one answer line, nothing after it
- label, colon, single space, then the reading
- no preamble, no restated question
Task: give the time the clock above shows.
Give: 3:44
